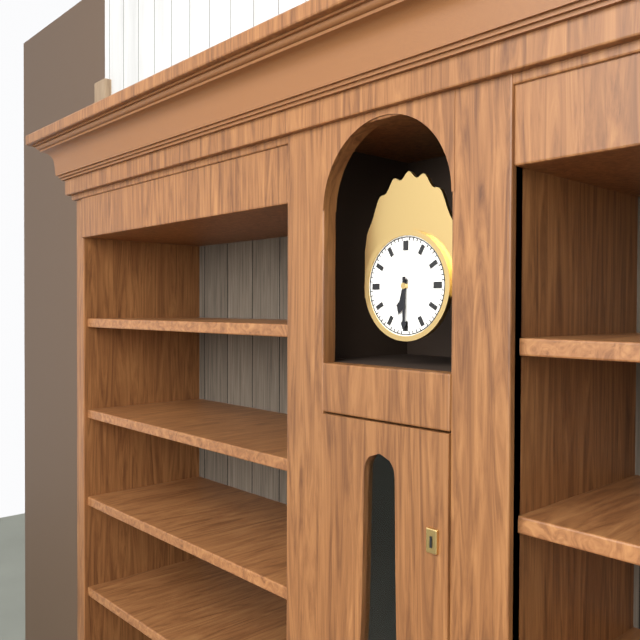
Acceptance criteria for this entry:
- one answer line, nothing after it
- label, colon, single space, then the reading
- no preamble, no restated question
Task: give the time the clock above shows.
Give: 6:30
